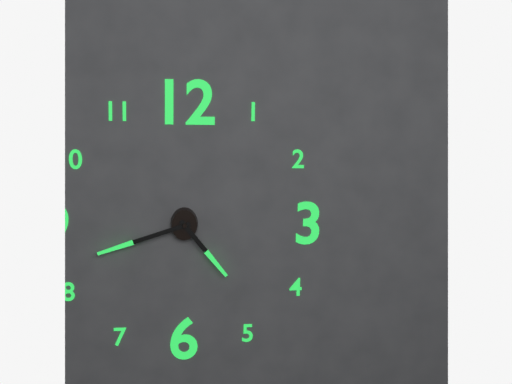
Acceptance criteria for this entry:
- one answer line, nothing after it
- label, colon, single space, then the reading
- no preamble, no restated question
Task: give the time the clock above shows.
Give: 4:42
